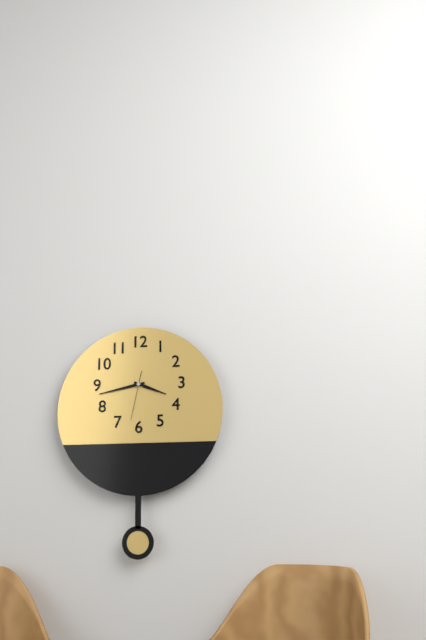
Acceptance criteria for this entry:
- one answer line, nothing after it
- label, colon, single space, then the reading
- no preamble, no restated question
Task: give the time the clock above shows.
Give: 3:43
